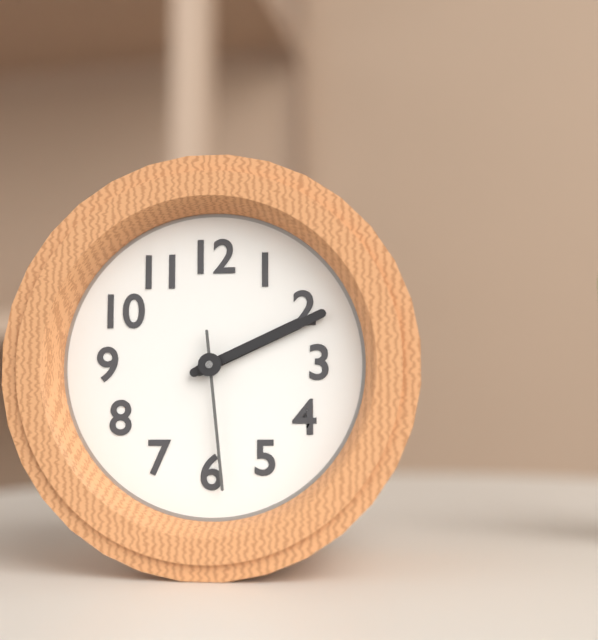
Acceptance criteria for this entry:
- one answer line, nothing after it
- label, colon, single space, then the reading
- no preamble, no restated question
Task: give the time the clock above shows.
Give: 2:11:29
